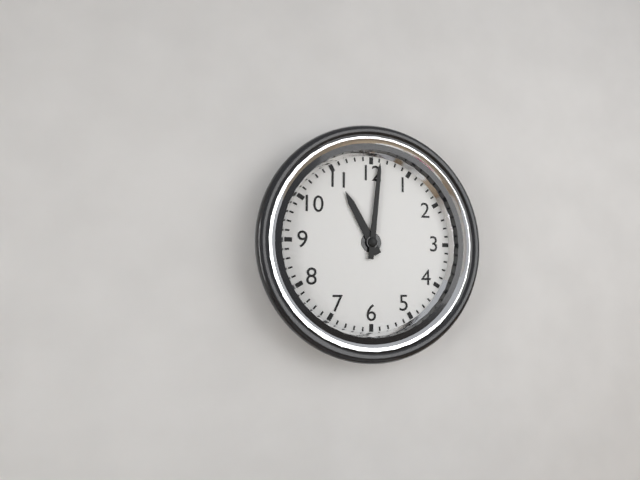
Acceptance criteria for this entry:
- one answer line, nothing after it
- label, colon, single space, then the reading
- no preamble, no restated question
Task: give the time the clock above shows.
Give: 11:01
